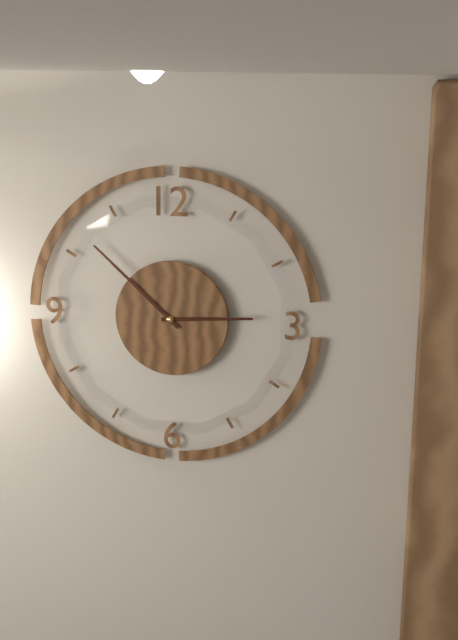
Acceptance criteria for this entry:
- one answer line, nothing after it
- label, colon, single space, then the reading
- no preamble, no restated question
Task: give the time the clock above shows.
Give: 2:52
